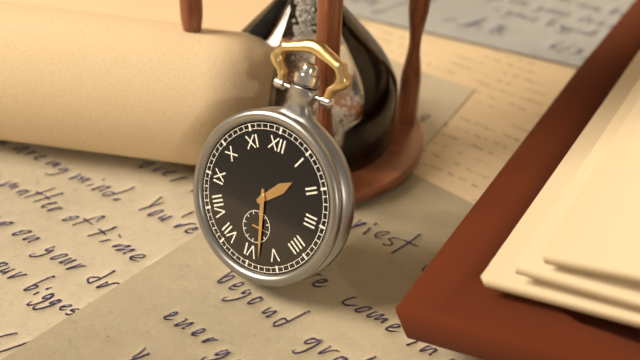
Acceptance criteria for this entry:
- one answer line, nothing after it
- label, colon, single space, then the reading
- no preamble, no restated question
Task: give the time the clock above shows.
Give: 1:28
